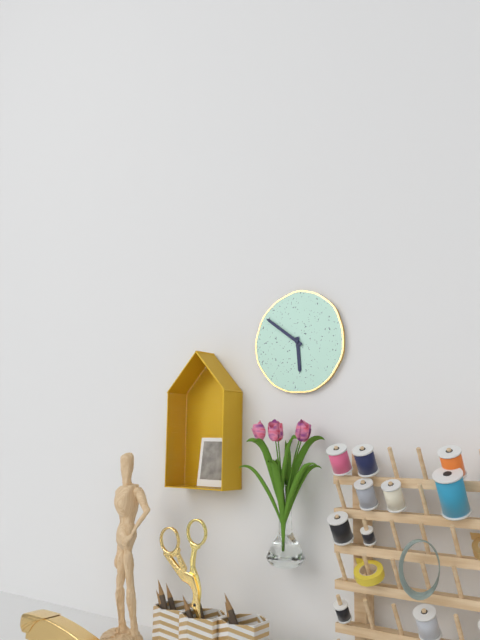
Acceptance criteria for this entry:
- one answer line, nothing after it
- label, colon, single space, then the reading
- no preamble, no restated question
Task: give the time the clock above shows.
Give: 5:51
